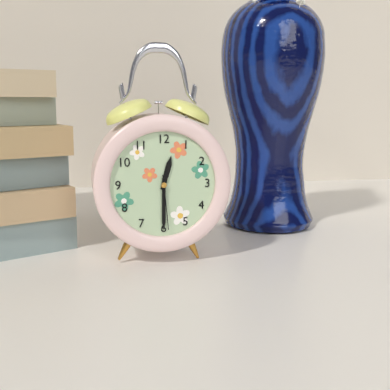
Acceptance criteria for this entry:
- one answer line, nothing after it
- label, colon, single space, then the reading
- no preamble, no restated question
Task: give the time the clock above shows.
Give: 12:30:29
